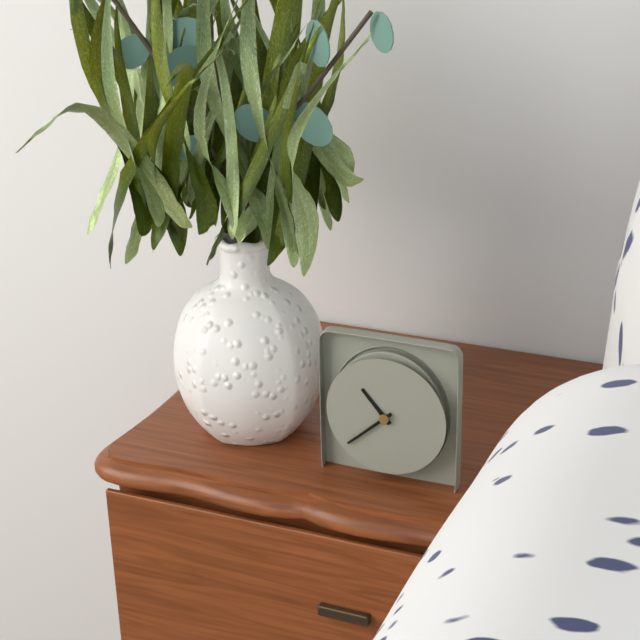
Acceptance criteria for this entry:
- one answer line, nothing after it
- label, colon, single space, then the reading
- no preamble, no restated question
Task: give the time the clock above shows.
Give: 10:38
